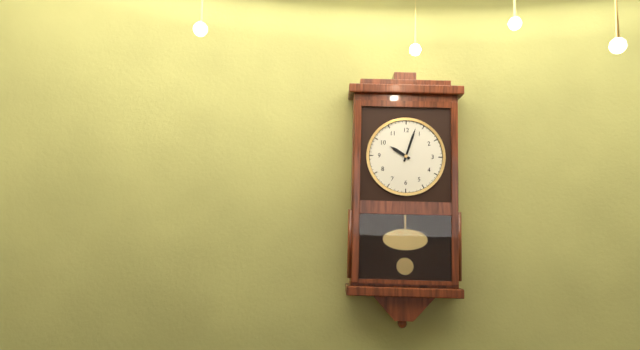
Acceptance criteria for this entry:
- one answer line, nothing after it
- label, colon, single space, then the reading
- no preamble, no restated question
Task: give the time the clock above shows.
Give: 10:03
